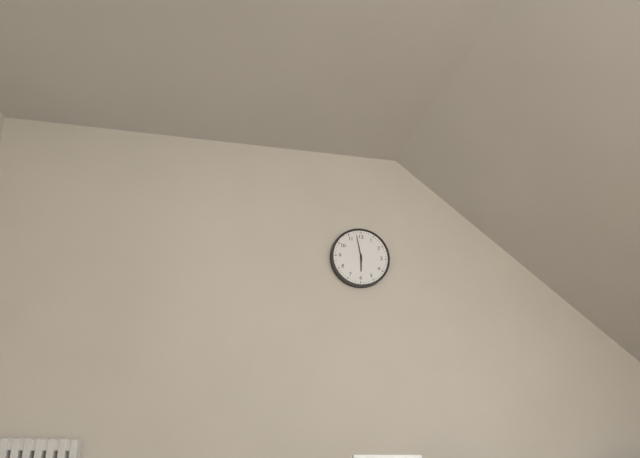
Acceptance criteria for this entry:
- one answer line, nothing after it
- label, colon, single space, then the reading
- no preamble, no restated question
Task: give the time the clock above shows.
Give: 5:58
